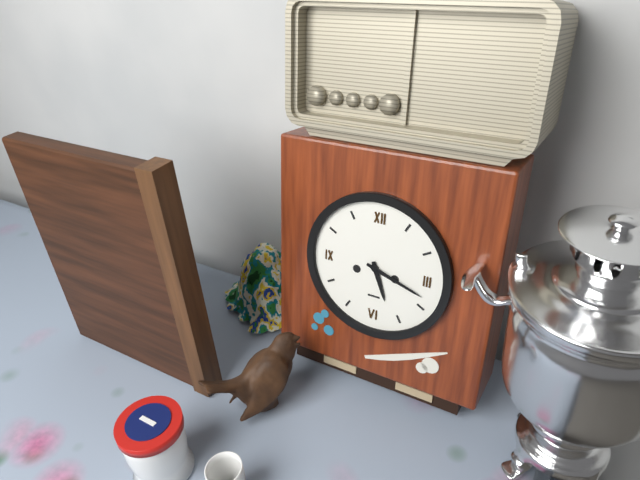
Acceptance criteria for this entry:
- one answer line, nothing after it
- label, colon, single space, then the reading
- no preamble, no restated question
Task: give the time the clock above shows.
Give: 5:18
